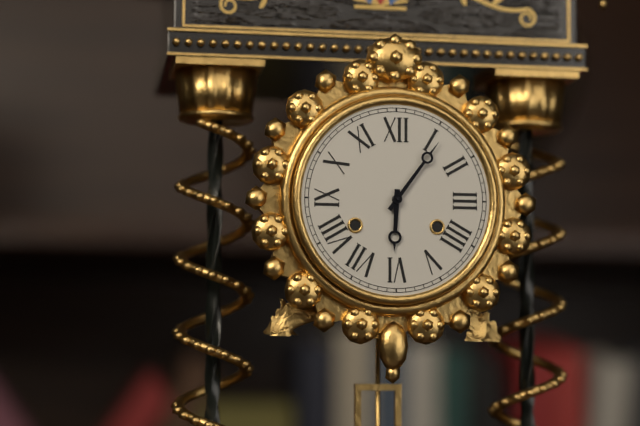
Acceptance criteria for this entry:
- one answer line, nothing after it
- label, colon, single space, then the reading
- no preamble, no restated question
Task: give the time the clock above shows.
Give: 6:06
